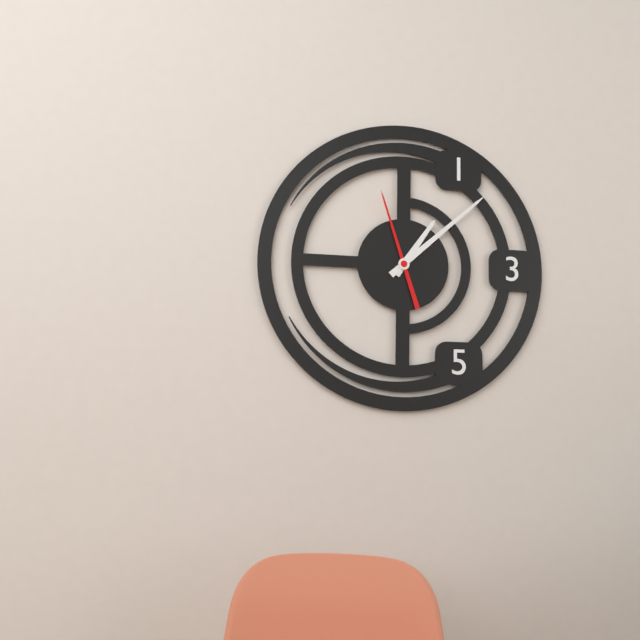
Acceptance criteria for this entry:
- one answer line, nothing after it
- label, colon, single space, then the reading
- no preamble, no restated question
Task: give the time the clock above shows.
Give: 1:08:57
